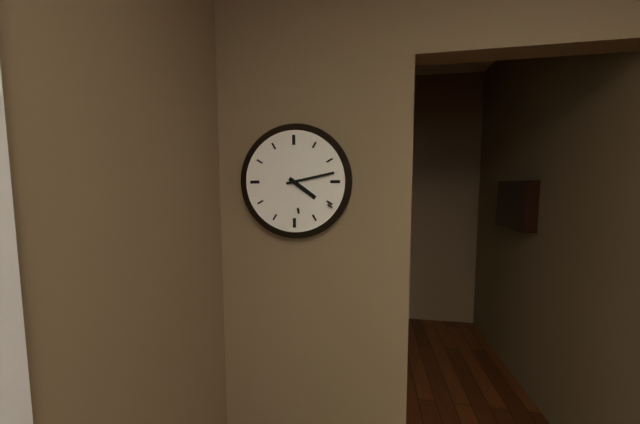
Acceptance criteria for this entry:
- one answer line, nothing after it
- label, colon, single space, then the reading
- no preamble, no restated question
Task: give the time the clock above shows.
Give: 4:13
